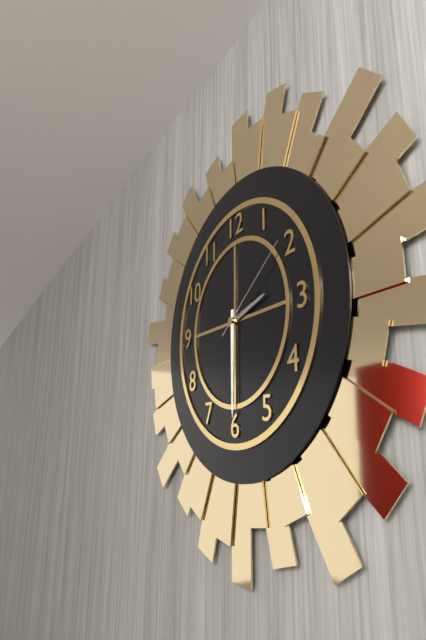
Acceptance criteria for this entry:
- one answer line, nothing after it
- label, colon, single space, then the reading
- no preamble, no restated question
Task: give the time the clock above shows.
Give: 2:30:09
